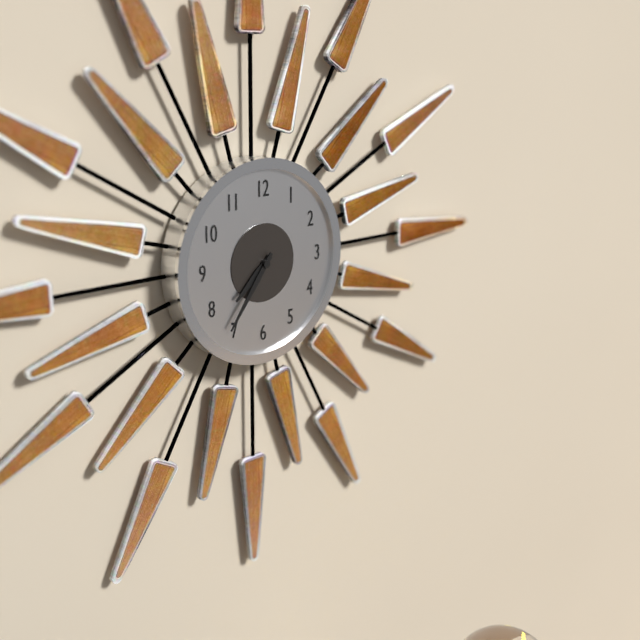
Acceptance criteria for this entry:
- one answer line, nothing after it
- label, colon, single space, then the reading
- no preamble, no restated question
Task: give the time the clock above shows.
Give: 7:36
